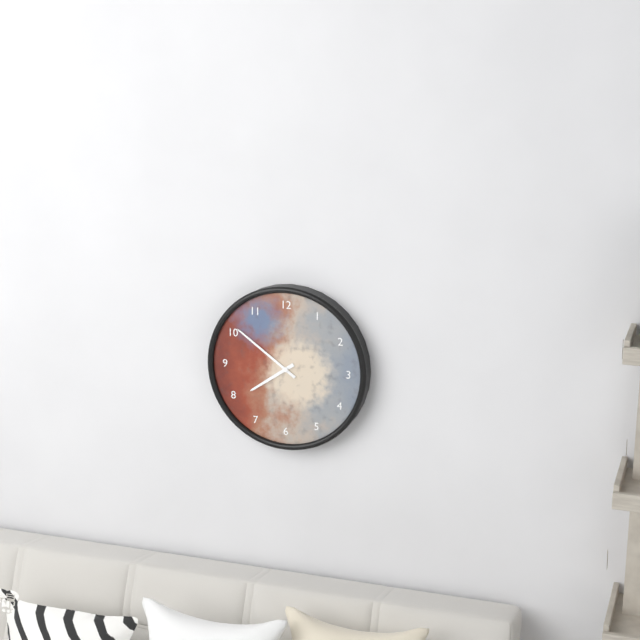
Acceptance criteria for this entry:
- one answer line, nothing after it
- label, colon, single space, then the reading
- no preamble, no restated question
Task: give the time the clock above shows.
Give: 7:51
